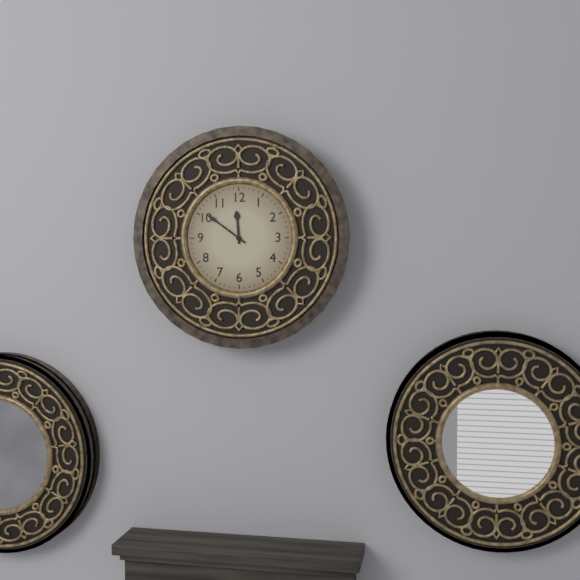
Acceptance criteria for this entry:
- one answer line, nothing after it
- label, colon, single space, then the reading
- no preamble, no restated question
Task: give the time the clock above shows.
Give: 11:51
